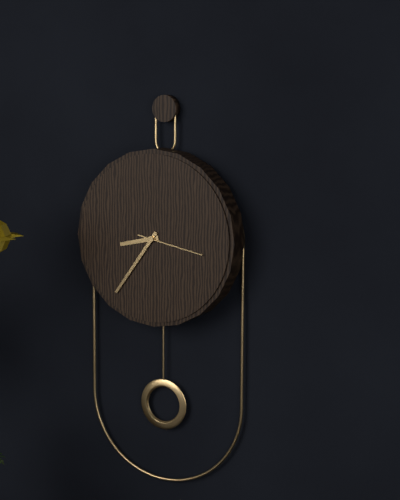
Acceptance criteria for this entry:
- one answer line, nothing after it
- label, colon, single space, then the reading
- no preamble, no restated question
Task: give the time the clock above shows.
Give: 8:36:17
